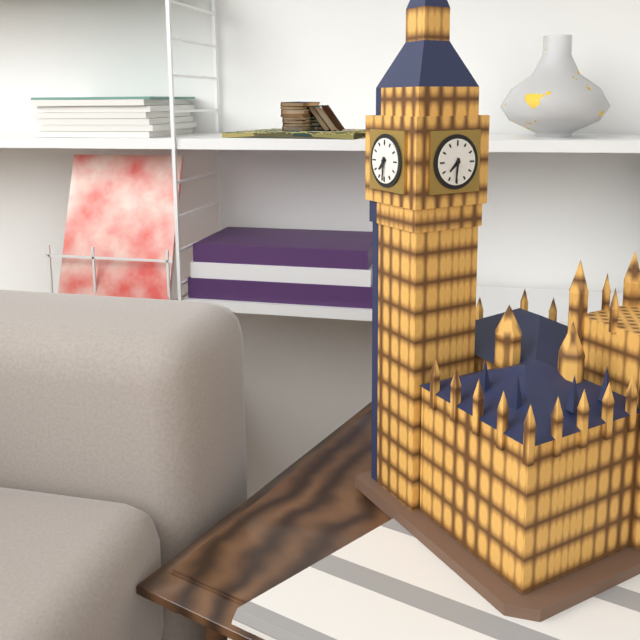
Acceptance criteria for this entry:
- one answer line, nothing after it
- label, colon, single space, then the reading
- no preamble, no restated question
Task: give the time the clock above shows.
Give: 7:31
